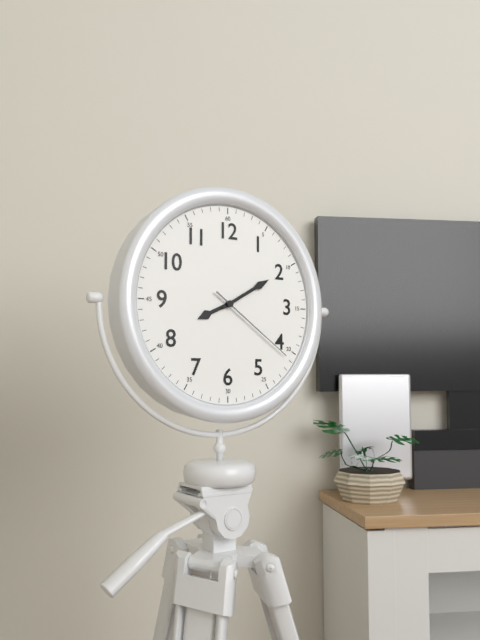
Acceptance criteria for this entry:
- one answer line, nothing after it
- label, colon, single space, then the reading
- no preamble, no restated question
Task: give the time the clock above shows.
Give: 8:10:21
